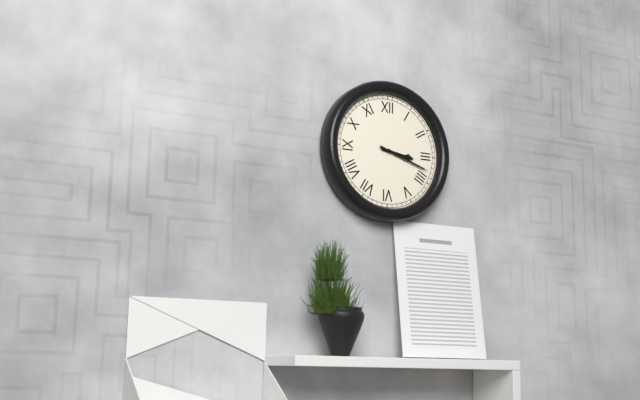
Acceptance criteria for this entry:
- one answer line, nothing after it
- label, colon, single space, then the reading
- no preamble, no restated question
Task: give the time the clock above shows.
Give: 3:18
